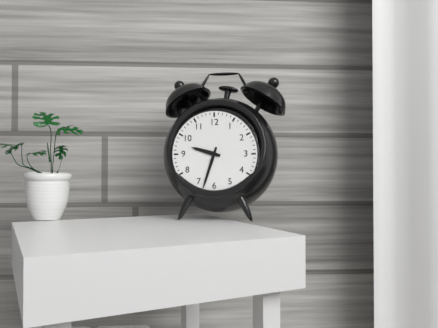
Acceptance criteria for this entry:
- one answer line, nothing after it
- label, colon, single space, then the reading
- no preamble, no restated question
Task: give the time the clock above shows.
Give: 9:33
